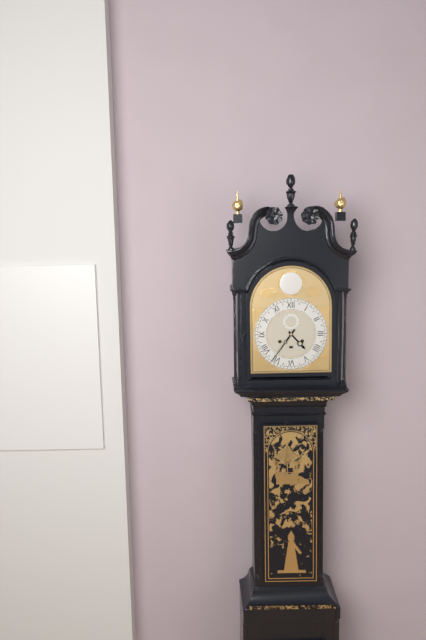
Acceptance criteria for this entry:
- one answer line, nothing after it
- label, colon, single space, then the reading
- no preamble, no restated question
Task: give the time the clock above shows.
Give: 4:36
